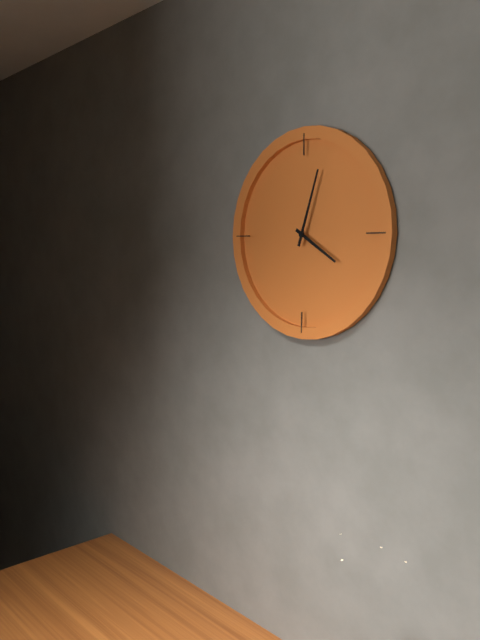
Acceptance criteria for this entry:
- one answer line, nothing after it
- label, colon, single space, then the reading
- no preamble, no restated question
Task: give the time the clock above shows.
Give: 4:03
